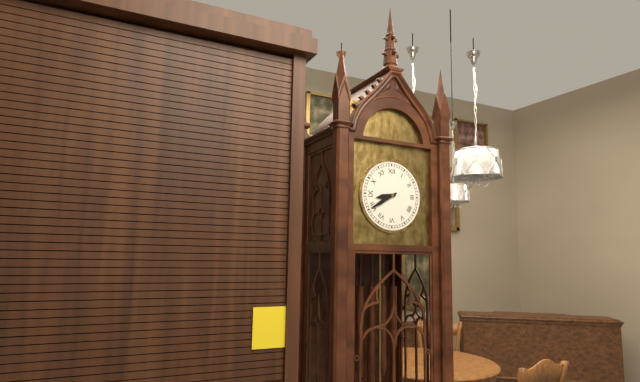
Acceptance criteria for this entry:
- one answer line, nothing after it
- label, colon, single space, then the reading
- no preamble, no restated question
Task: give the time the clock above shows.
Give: 8:40
